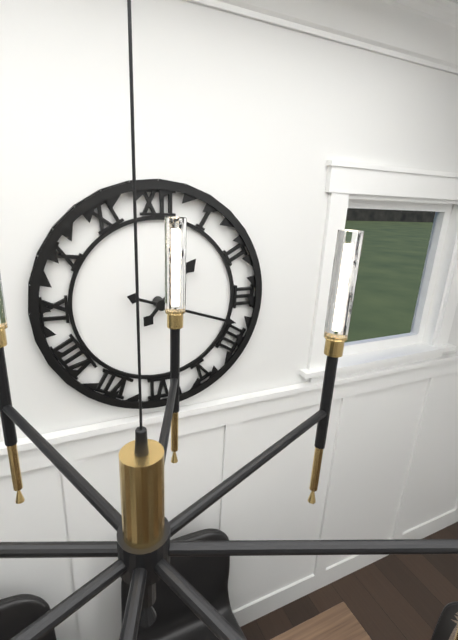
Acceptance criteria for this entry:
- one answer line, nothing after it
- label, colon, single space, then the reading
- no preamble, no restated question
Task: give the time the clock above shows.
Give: 1:18
